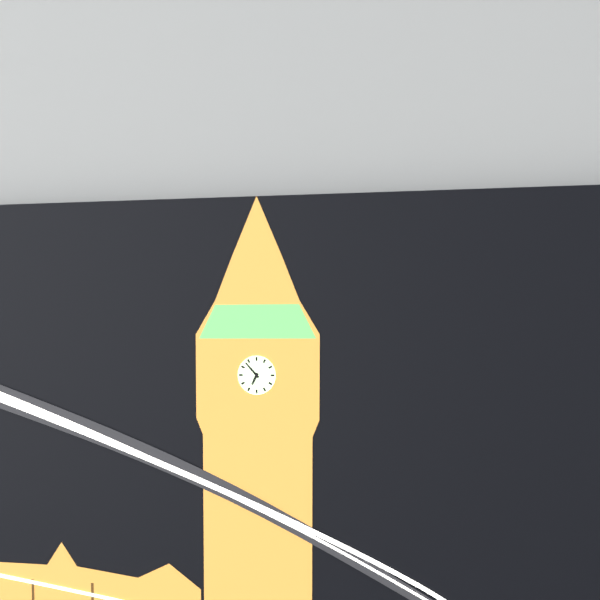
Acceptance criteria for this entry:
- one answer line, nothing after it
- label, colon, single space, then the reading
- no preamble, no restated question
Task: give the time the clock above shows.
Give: 6:53
